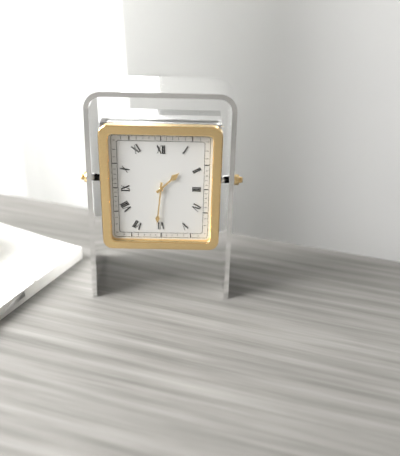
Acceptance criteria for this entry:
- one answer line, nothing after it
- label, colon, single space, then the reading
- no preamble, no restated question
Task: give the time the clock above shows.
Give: 1:31
